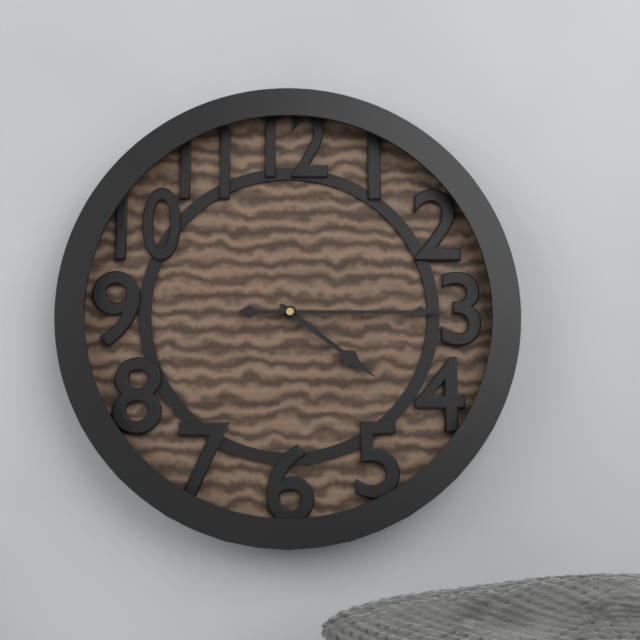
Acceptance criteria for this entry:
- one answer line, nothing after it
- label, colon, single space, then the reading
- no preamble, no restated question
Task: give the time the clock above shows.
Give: 4:15
